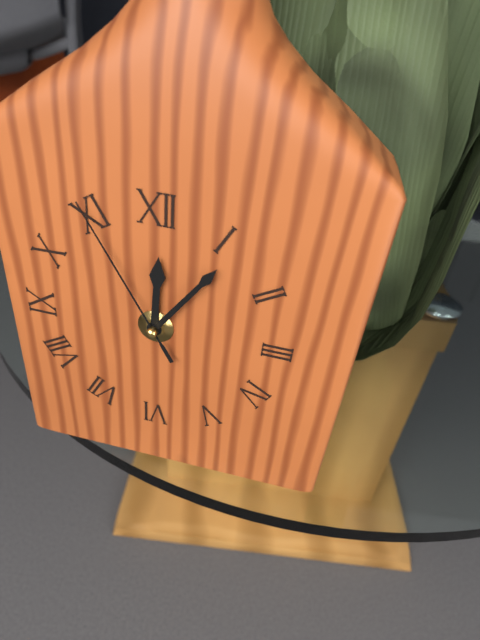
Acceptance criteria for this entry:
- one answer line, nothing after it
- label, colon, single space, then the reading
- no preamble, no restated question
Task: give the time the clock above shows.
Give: 12:06:55
